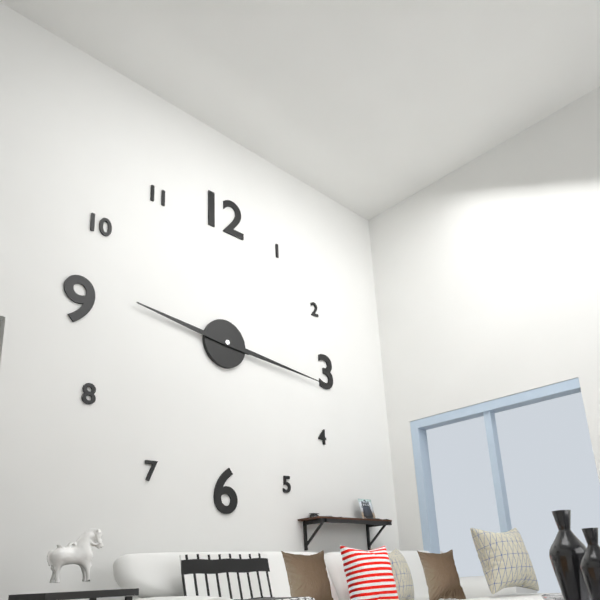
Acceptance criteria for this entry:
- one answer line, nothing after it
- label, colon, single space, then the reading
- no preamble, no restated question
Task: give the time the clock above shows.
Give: 9:16
